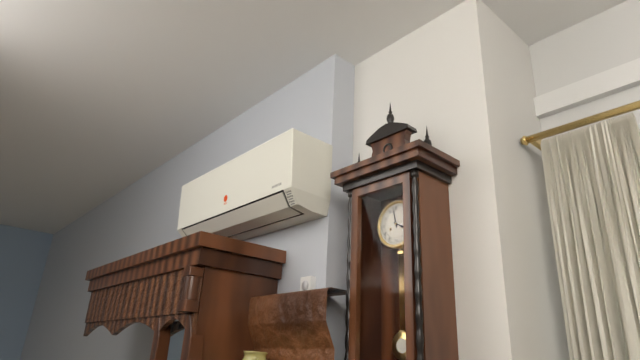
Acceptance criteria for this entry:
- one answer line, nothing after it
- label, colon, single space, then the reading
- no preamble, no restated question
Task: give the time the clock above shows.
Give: 3:58
